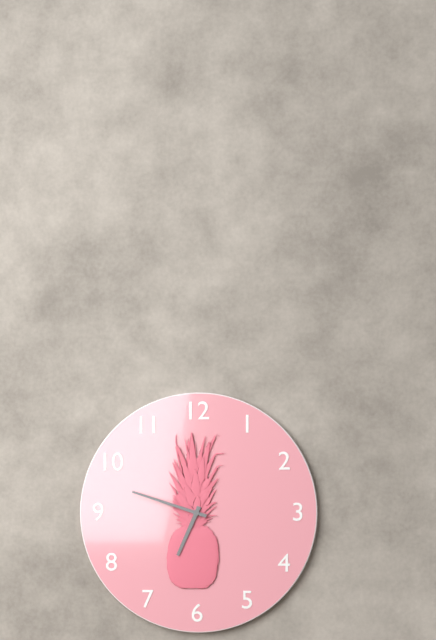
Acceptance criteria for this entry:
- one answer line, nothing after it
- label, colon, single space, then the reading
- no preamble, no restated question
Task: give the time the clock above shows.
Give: 6:48
